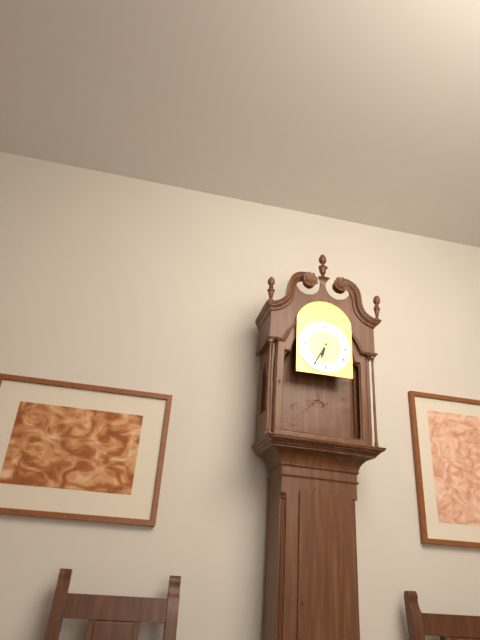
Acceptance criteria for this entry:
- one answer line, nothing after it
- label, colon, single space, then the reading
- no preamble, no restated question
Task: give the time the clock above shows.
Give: 6:35
